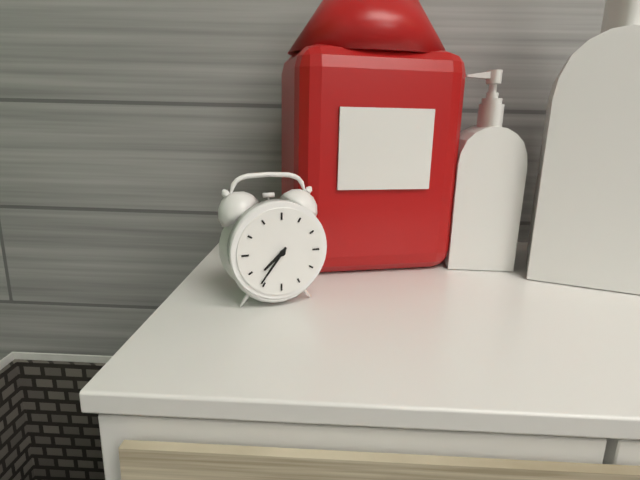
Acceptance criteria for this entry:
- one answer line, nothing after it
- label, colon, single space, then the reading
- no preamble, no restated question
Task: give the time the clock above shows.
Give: 7:36
